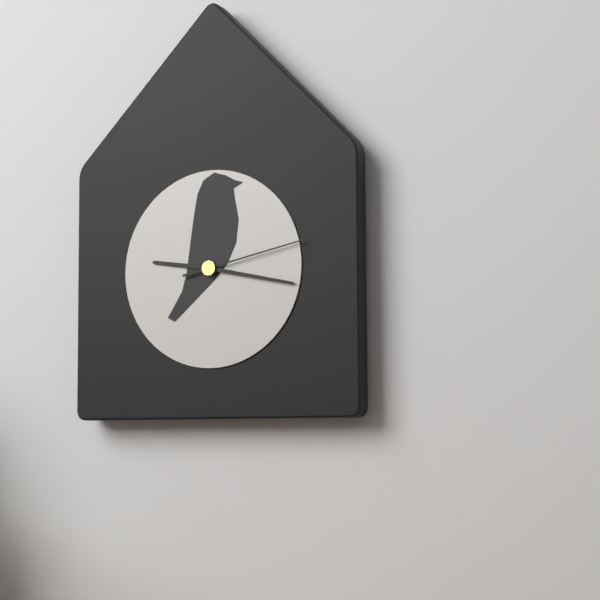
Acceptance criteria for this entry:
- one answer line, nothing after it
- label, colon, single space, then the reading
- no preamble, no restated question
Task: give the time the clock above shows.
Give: 9:17:13
